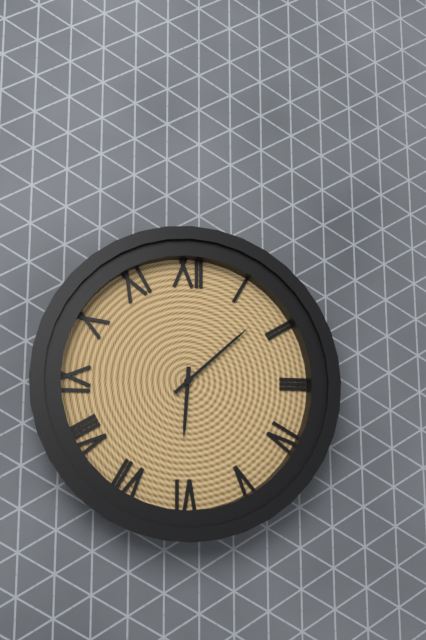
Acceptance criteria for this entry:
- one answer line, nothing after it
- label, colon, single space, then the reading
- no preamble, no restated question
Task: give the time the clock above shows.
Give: 6:08
